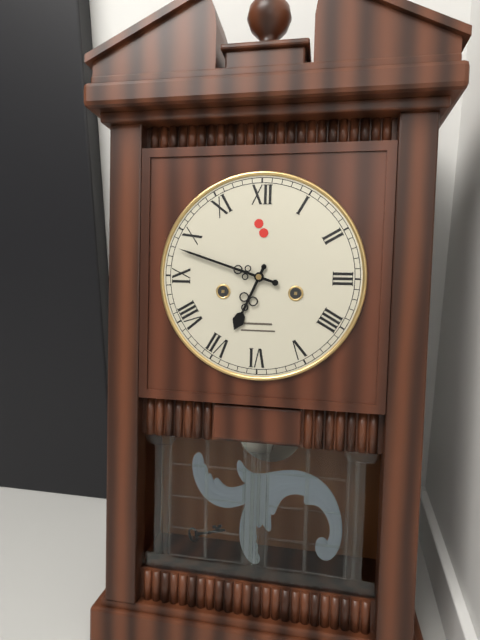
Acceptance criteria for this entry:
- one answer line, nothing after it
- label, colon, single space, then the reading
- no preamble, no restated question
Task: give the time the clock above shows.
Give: 6:48
